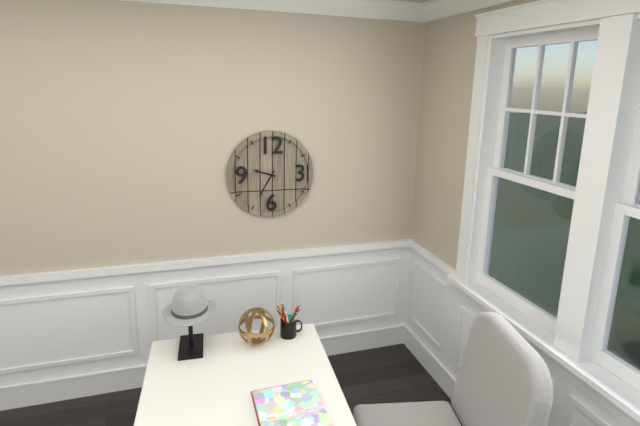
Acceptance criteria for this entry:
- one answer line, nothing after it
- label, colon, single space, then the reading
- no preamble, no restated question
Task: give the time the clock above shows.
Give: 9:35
